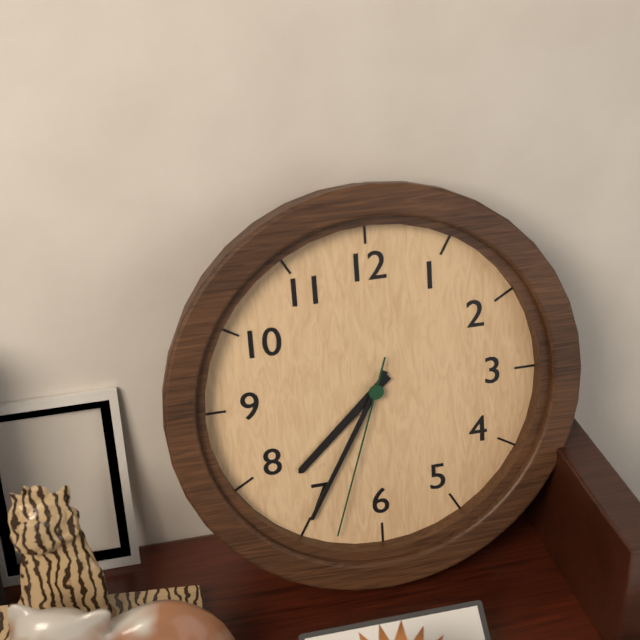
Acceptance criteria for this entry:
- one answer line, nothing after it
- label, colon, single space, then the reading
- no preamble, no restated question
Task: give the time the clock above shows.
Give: 7:35:33
